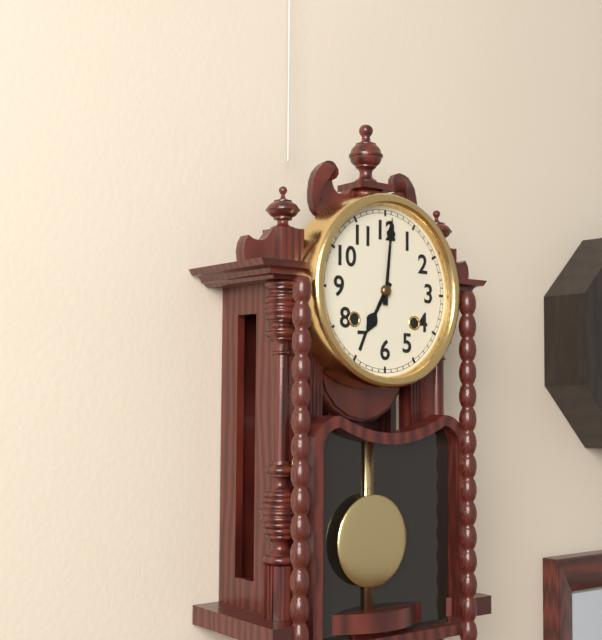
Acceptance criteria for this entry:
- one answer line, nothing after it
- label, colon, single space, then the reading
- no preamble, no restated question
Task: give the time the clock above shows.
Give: 7:01
